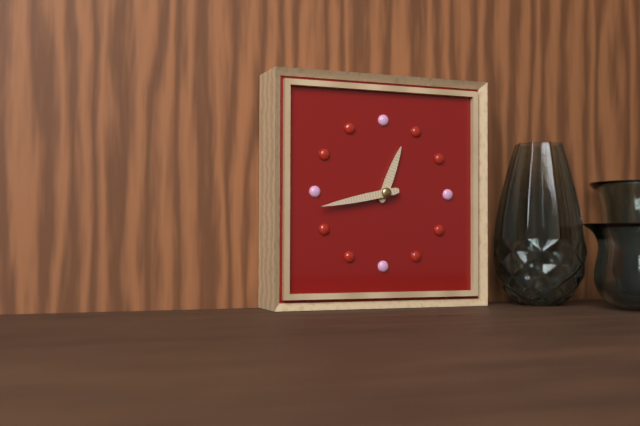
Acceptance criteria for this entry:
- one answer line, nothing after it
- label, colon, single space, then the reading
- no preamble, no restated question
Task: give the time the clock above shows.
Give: 12:43
